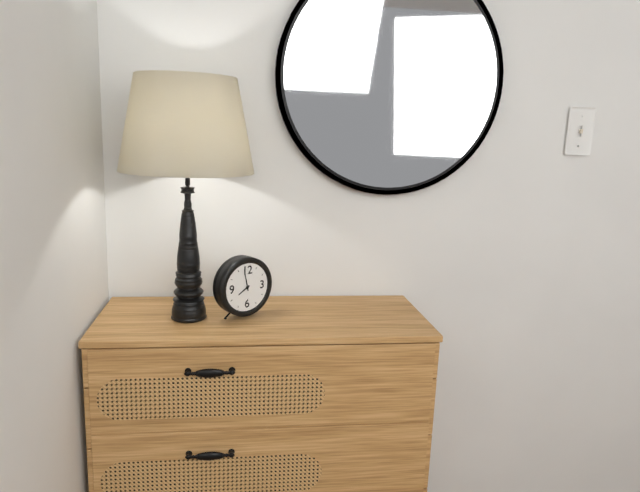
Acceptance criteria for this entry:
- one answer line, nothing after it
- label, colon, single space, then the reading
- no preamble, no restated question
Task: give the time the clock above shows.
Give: 7:58
